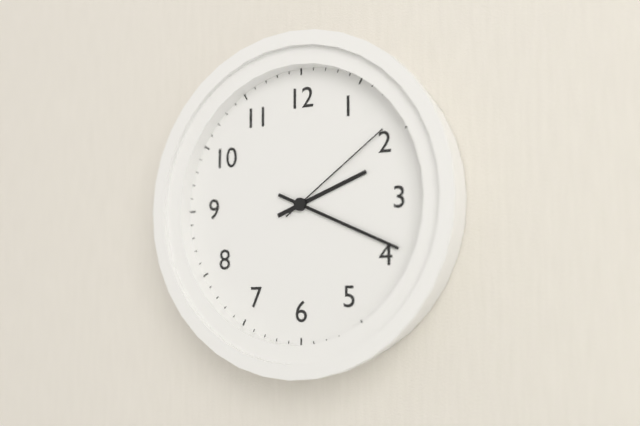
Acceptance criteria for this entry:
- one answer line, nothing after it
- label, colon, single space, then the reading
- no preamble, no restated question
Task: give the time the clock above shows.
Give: 2:19:09
